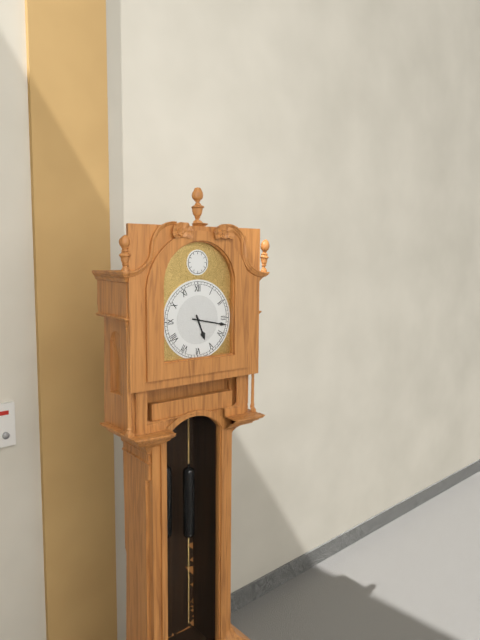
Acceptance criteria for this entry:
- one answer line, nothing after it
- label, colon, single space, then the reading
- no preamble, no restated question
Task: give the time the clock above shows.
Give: 5:17
